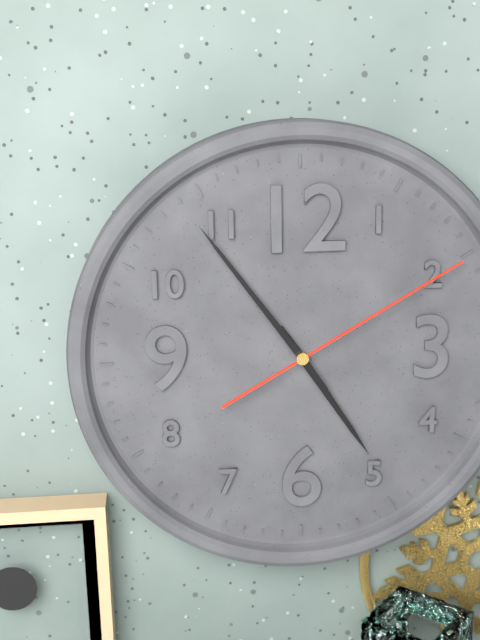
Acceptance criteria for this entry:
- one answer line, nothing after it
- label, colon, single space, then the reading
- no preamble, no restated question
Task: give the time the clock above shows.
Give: 4:54:10
